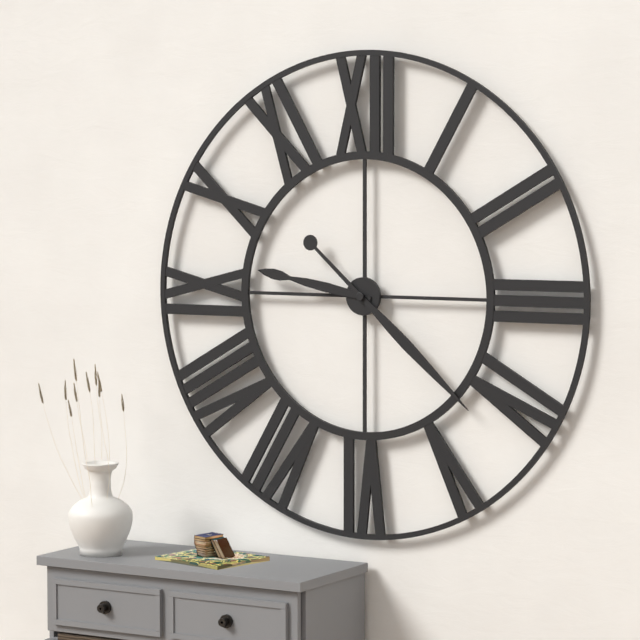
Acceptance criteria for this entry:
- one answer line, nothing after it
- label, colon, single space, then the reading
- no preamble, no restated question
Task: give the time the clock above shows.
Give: 9:22
